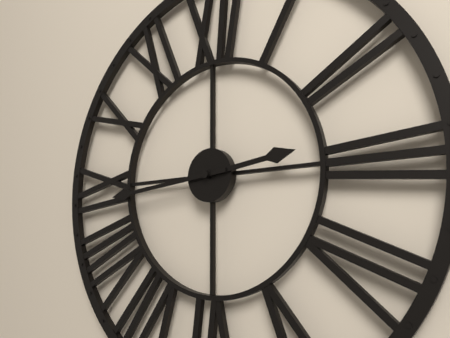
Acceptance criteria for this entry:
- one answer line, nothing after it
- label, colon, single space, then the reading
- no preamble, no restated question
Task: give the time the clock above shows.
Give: 2:44
